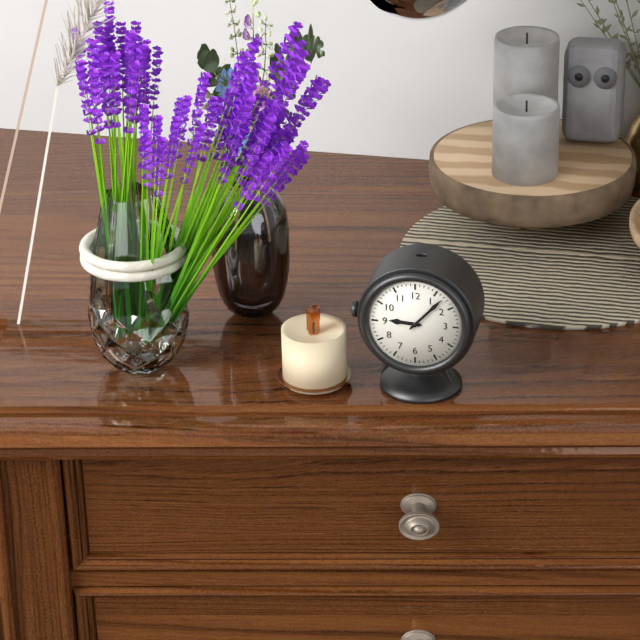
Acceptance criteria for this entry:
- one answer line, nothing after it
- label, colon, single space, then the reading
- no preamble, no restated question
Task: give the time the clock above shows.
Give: 9:07
